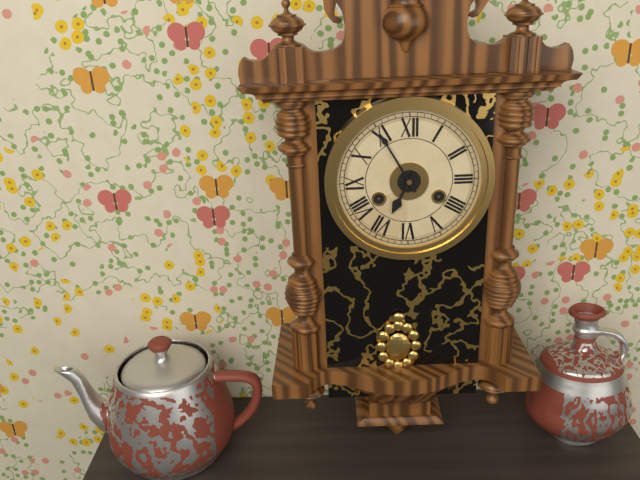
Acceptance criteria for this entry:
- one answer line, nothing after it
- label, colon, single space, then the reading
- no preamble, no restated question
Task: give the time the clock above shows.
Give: 6:55
